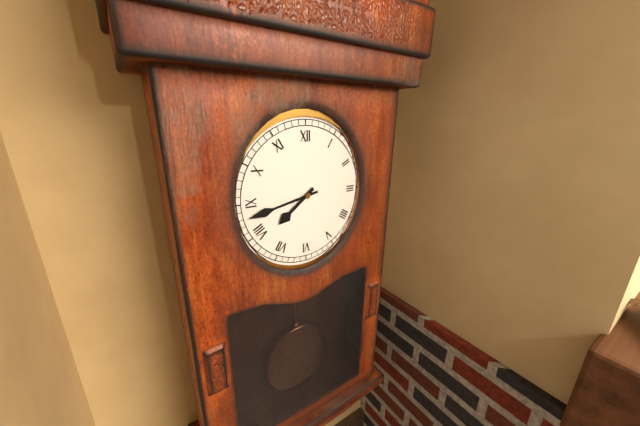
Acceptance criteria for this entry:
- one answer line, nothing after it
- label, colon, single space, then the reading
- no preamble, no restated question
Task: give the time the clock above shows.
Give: 7:43
